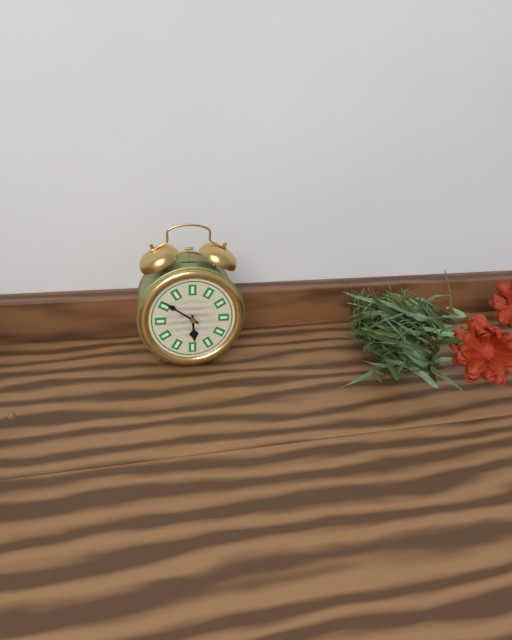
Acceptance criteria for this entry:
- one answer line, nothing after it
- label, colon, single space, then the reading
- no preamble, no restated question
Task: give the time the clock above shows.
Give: 5:51
